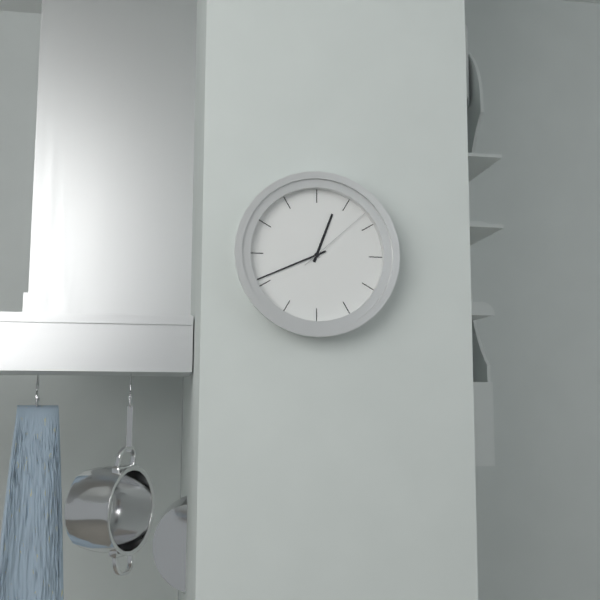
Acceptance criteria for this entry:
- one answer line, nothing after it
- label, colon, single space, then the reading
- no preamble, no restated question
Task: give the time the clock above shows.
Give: 12:41:08
